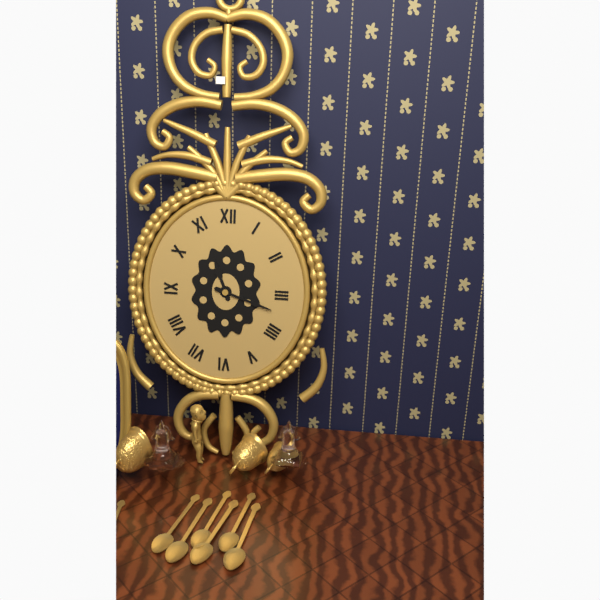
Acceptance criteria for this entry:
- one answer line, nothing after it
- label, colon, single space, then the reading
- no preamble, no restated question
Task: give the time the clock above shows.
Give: 11:18
